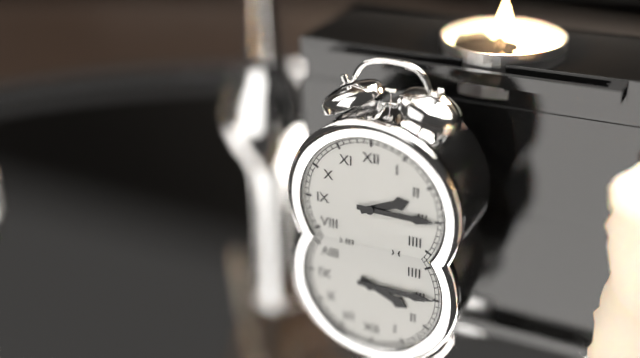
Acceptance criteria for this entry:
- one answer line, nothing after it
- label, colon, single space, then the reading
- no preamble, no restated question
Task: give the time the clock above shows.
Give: 2:15
